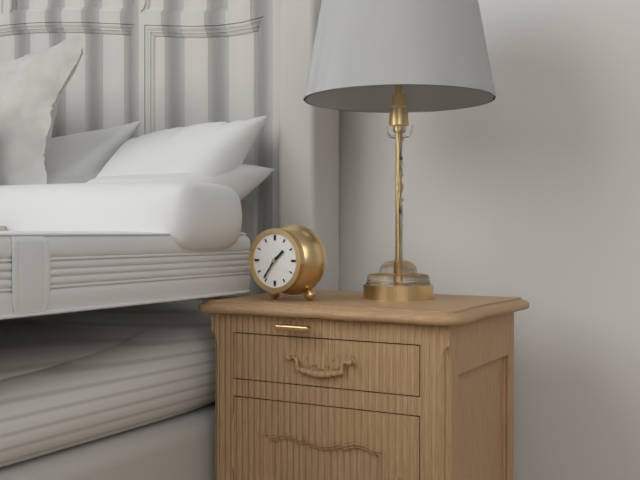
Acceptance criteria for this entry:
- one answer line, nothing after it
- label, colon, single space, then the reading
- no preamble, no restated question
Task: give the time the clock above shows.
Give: 1:36
